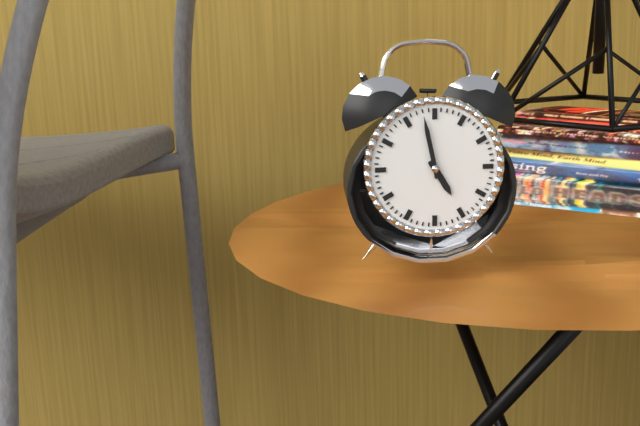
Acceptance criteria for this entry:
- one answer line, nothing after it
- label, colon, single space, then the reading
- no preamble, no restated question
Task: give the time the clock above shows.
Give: 4:58
